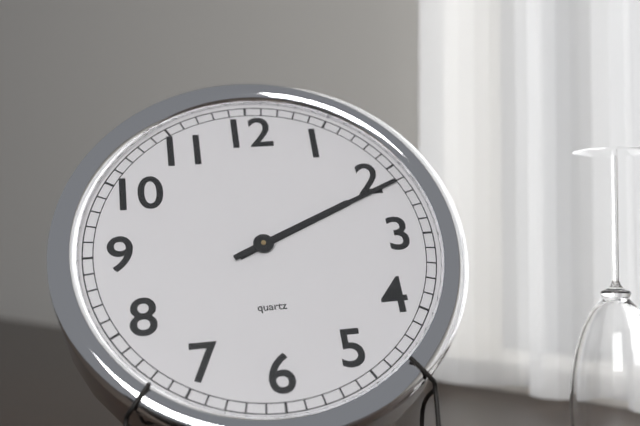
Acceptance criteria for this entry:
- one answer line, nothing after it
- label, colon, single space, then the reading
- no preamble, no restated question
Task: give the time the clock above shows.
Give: 2:11
